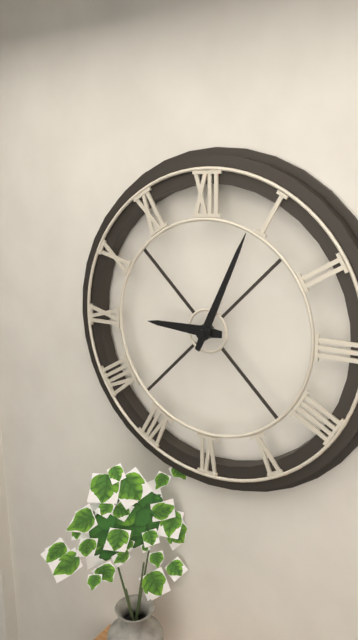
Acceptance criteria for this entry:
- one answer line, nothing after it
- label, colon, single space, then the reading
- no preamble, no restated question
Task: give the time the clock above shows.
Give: 9:04
